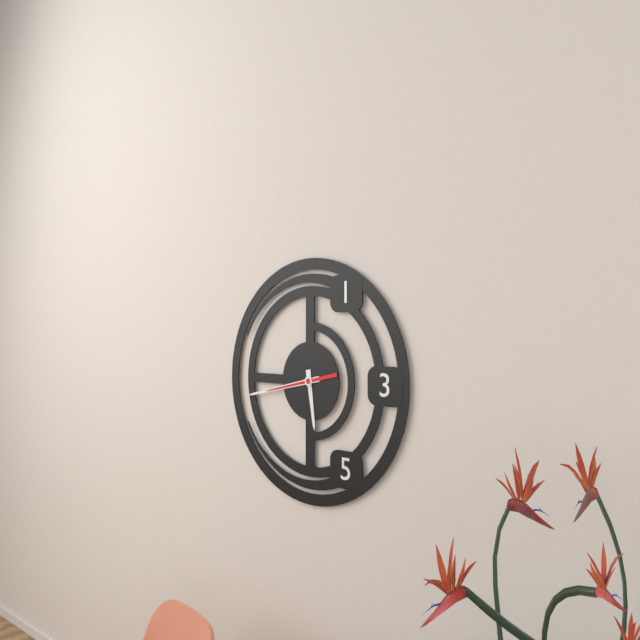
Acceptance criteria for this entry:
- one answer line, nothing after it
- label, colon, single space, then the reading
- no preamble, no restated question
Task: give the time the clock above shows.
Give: 5:43:43
